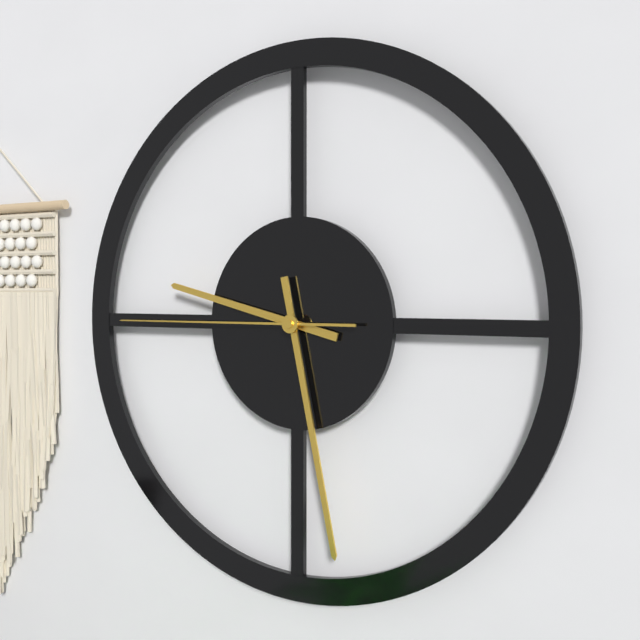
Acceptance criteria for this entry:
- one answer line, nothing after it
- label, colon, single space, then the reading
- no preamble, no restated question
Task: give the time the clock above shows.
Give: 9:28:45
